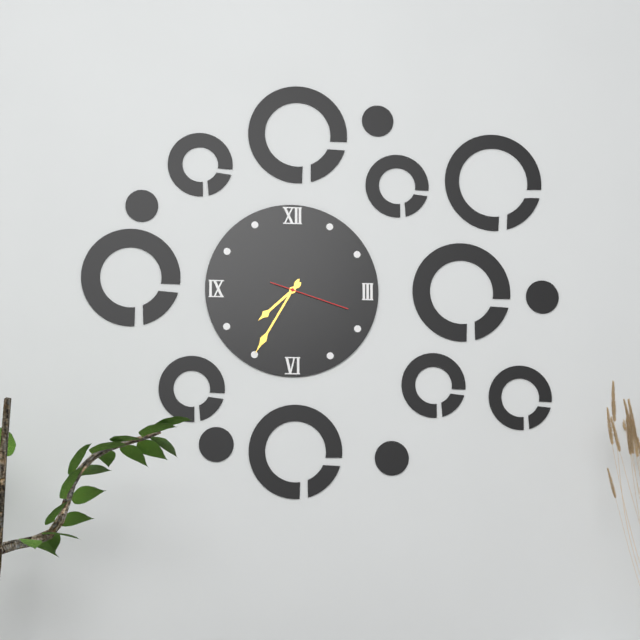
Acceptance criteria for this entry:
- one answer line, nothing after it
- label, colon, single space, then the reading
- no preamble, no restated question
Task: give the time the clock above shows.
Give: 7:35:18
